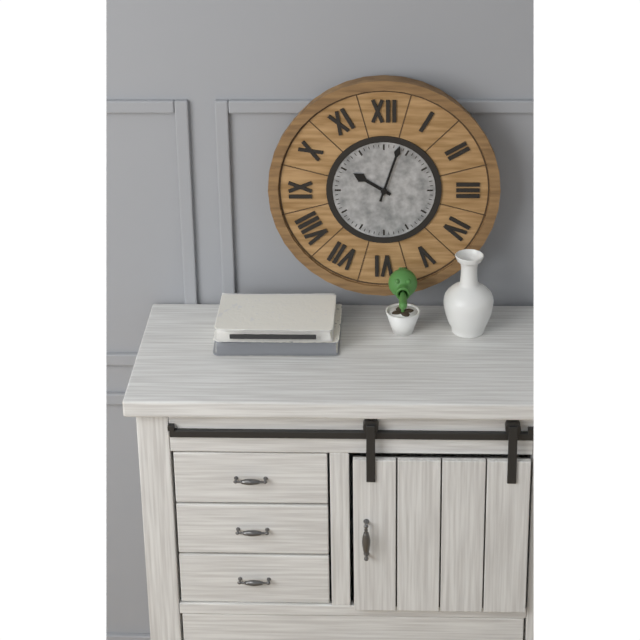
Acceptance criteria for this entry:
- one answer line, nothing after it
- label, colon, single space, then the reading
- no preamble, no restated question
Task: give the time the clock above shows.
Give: 10:03
